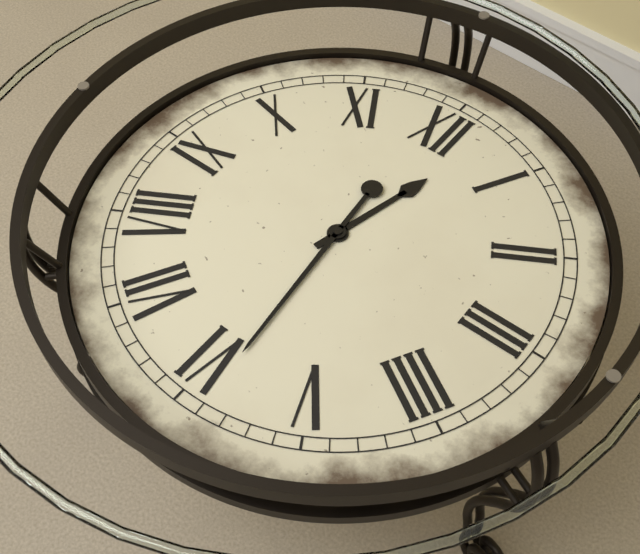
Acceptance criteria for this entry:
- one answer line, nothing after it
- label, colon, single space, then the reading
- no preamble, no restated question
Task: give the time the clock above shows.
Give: 12:29
